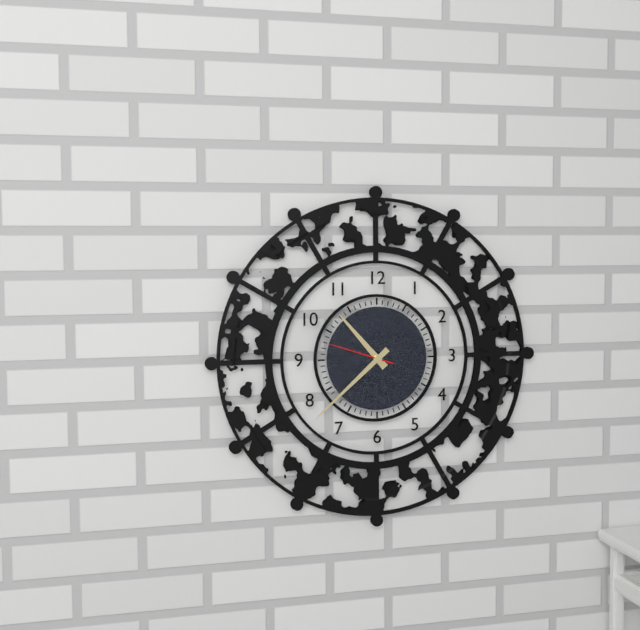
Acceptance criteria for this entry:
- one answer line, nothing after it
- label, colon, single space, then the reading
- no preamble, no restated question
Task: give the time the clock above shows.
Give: 10:38:48
